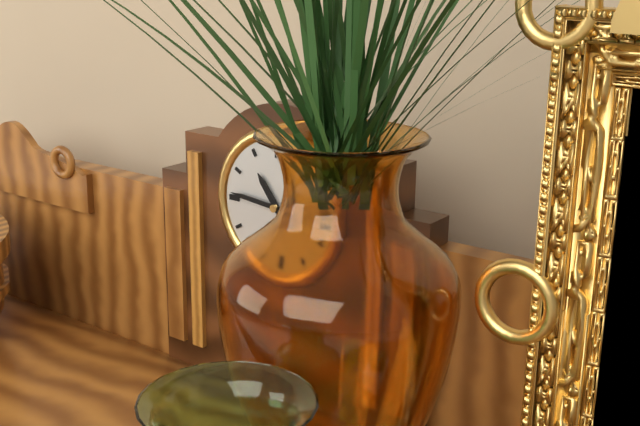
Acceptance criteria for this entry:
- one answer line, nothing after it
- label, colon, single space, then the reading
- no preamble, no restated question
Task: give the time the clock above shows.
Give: 10:46
